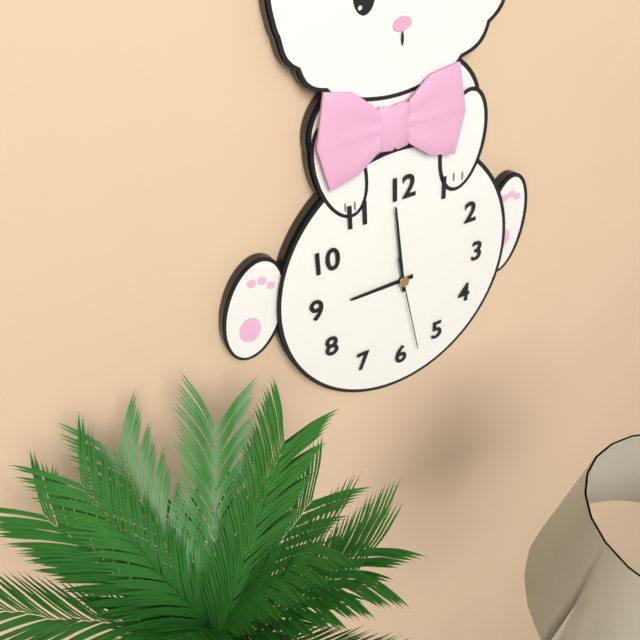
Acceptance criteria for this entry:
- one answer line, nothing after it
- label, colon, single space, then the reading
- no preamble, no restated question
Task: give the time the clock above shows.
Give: 8:59:28
